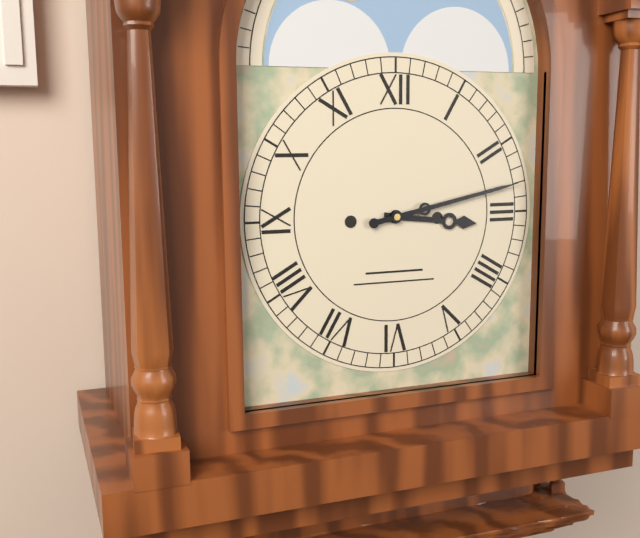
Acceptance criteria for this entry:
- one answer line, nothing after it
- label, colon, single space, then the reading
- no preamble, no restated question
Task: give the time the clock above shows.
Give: 3:13
